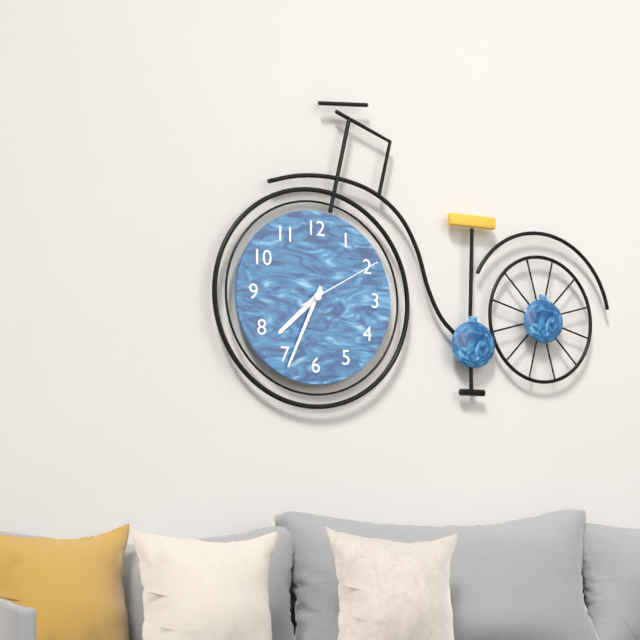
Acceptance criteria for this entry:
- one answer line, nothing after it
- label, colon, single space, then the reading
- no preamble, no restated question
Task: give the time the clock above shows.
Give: 7:34:10
